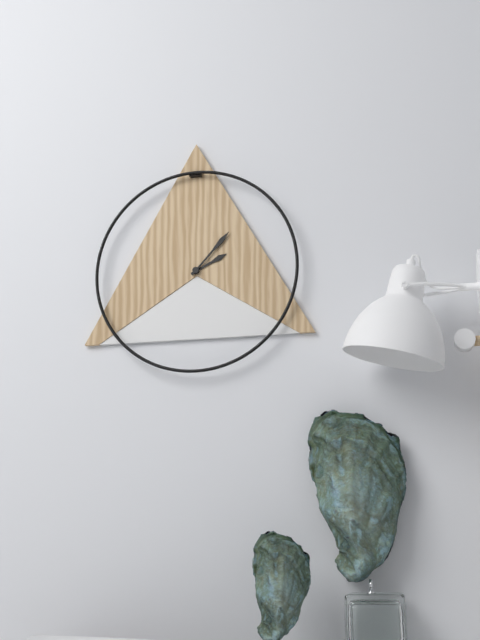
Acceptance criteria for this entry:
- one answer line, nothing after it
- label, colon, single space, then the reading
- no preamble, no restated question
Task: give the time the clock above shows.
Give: 2:07
